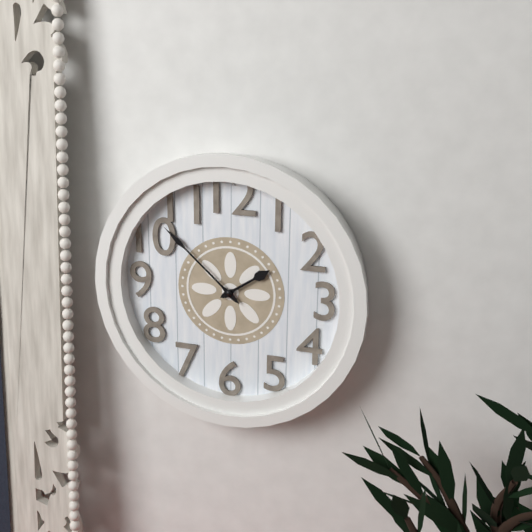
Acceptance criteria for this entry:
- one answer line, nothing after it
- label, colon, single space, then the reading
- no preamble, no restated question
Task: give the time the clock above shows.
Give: 1:52
